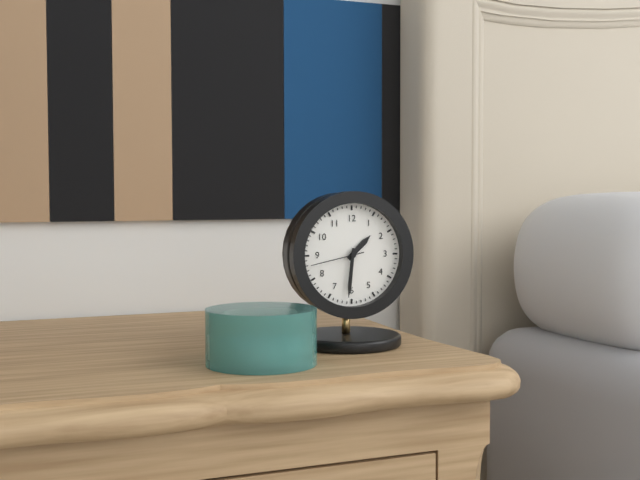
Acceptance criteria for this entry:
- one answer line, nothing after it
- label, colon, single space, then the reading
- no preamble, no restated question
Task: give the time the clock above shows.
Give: 1:31:43
